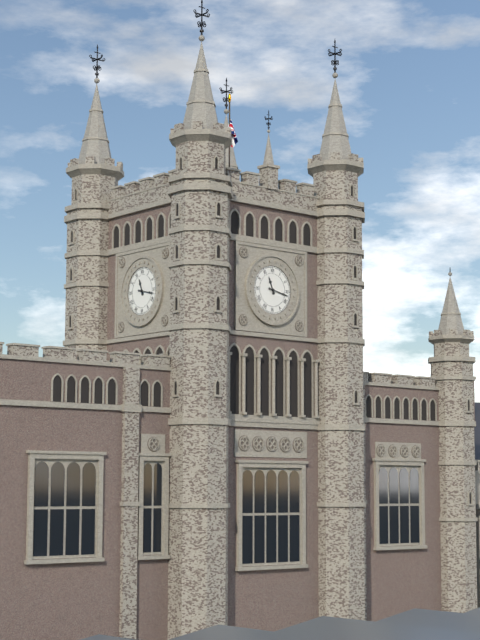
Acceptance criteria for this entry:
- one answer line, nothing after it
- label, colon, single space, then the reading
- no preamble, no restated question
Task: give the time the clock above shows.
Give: 11:17
